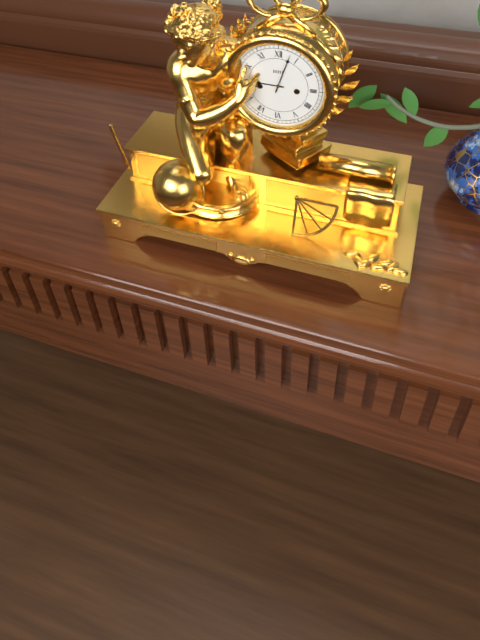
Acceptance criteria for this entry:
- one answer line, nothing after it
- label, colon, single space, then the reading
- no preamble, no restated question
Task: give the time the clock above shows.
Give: 9:03
